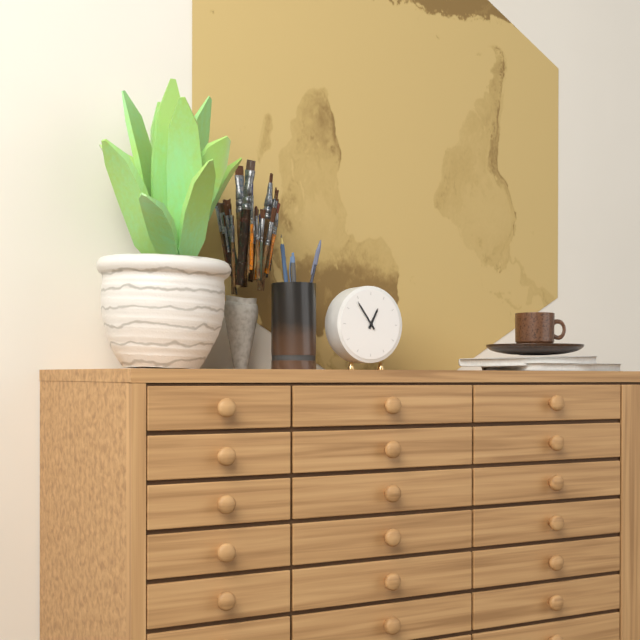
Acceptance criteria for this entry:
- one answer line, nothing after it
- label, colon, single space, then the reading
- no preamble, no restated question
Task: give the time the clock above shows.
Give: 12:54
